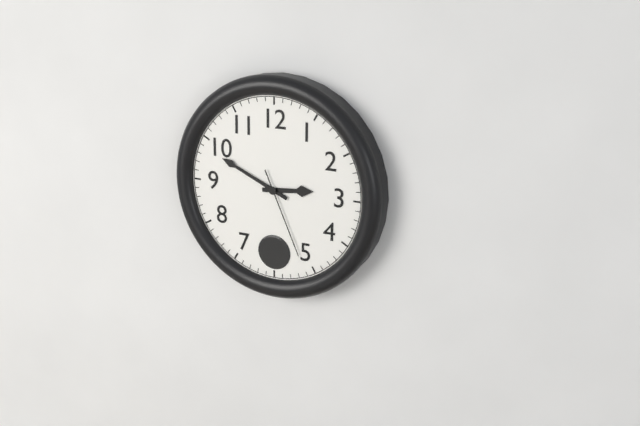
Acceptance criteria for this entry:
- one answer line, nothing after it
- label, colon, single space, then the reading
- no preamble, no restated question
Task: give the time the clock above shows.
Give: 2:49:26
